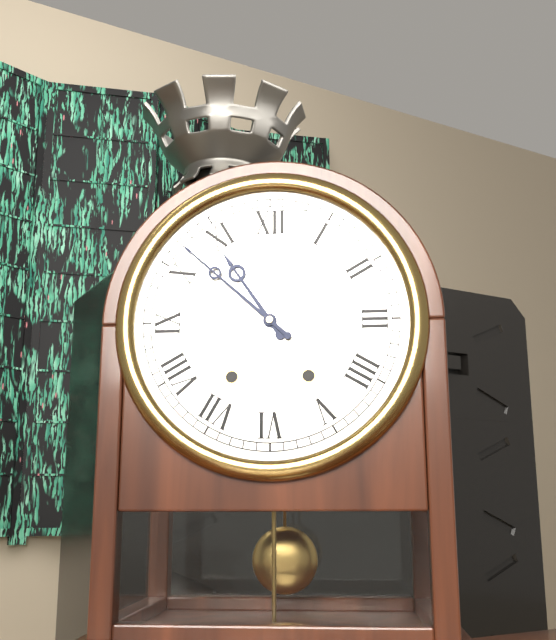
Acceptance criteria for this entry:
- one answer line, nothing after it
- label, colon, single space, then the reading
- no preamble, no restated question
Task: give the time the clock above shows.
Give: 10:52
